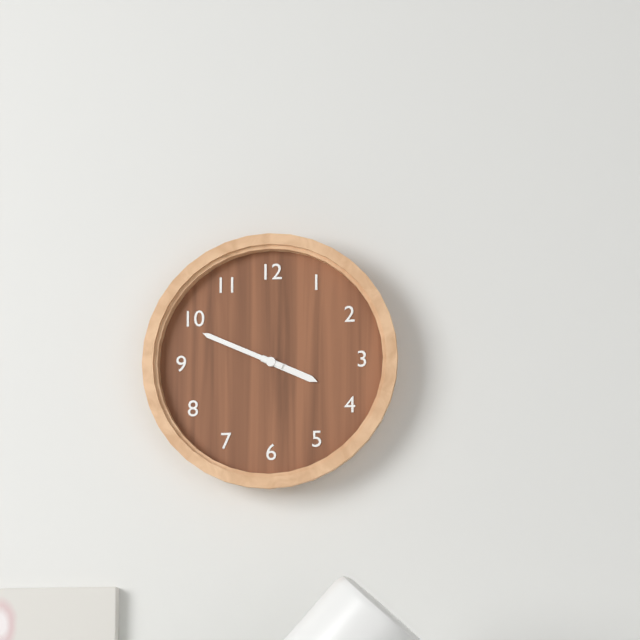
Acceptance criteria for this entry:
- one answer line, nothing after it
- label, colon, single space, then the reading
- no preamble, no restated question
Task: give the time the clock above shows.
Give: 3:49
